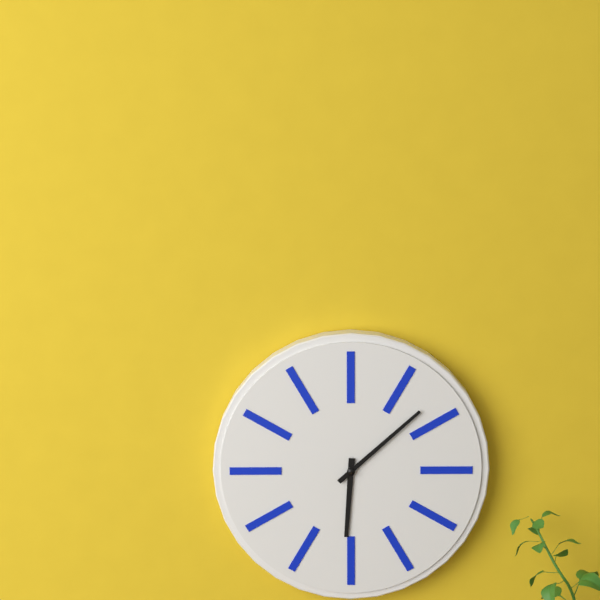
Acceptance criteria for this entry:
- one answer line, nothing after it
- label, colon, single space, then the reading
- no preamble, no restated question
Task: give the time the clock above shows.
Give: 6:08
